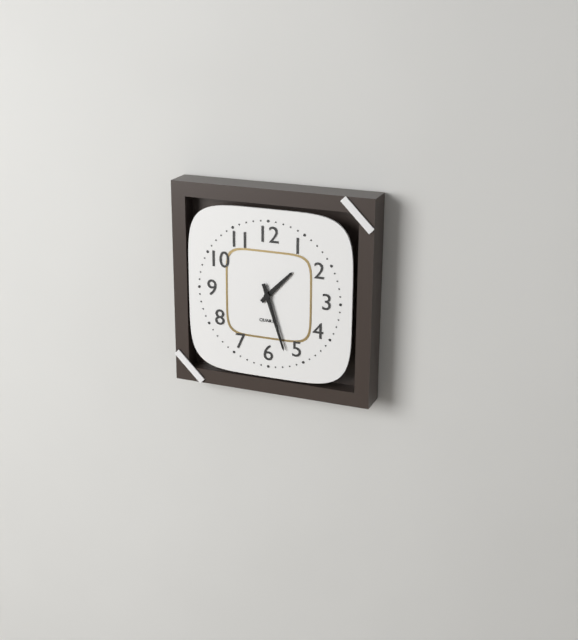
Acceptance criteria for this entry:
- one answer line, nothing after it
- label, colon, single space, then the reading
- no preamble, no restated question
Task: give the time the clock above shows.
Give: 1:27
